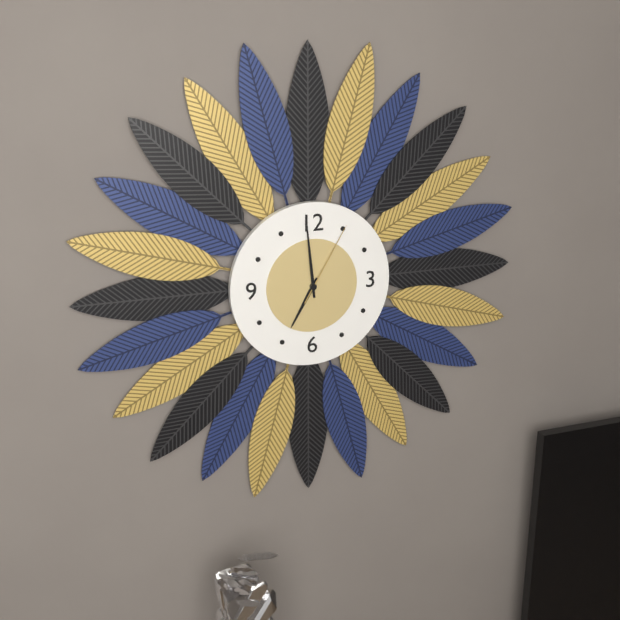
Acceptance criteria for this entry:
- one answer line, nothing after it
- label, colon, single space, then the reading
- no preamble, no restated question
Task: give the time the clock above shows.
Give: 6:59:05
